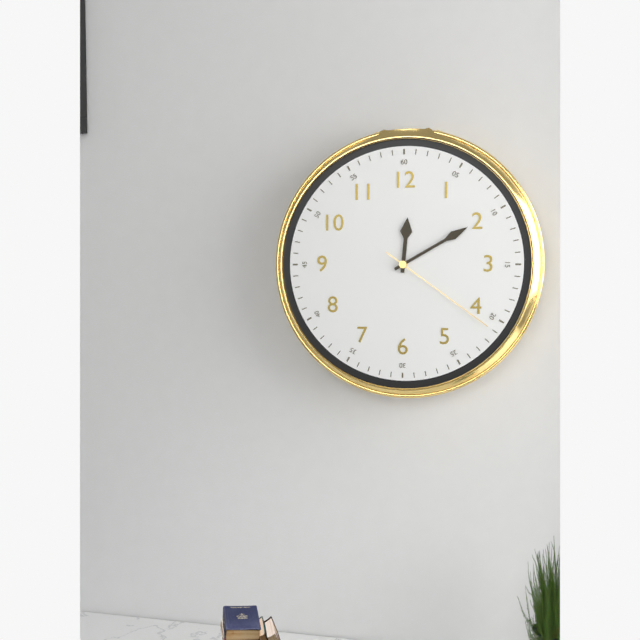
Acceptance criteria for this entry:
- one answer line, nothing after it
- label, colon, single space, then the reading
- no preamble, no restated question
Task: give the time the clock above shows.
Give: 12:10:21
